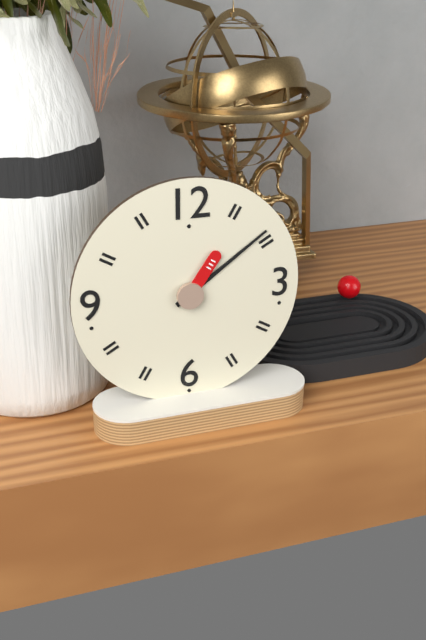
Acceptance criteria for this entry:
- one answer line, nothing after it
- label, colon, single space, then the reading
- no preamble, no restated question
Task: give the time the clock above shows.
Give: 1:09
